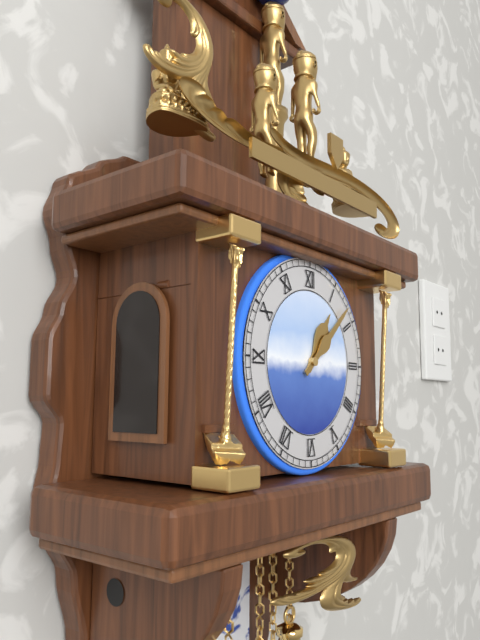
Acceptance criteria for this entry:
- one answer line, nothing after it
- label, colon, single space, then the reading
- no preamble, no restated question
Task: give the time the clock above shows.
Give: 1:08
